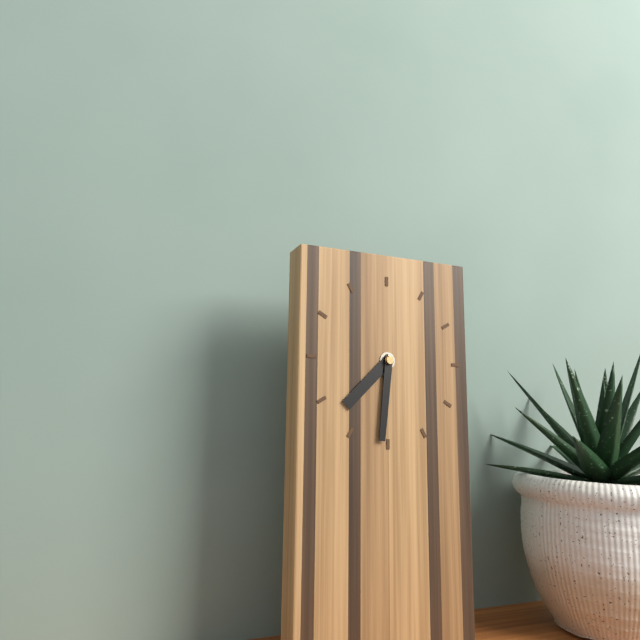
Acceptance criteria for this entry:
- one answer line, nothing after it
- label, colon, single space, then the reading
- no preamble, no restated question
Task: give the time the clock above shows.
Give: 7:31
